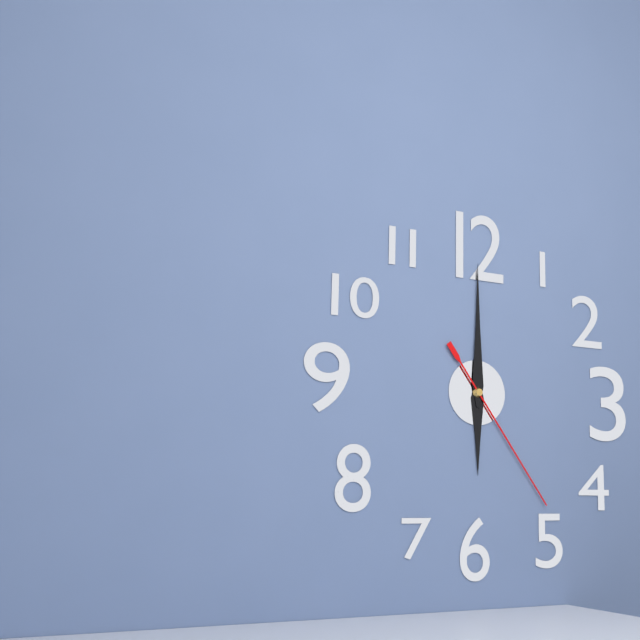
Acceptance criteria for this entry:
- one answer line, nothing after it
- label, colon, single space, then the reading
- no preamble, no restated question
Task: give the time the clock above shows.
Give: 6:00:24
